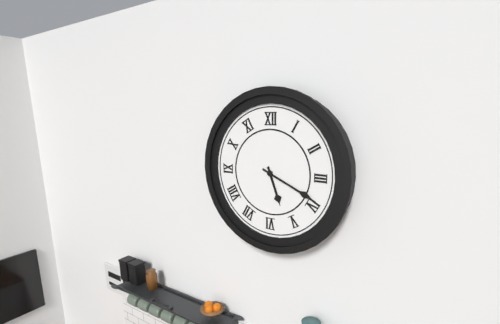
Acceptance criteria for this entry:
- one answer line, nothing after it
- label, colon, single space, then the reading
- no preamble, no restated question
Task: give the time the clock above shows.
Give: 5:19
